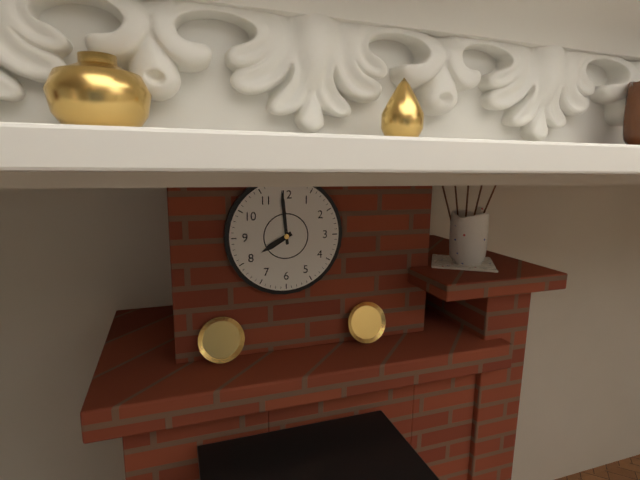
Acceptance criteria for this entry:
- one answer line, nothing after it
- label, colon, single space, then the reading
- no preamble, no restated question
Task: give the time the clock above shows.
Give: 7:59
